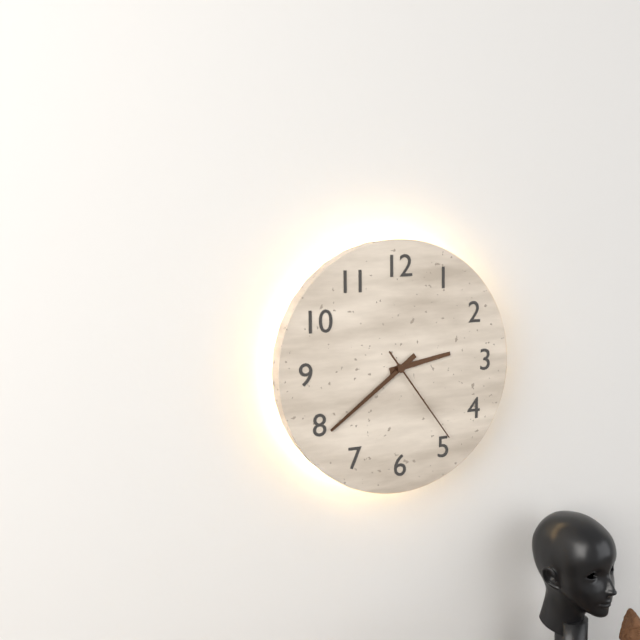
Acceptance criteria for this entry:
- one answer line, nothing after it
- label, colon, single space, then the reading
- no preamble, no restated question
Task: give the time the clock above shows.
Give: 2:39:24
